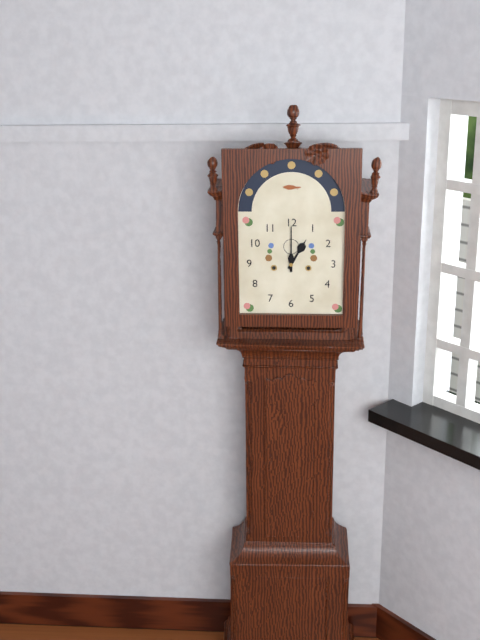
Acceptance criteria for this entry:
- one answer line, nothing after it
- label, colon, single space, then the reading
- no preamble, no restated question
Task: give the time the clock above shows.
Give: 1:00
